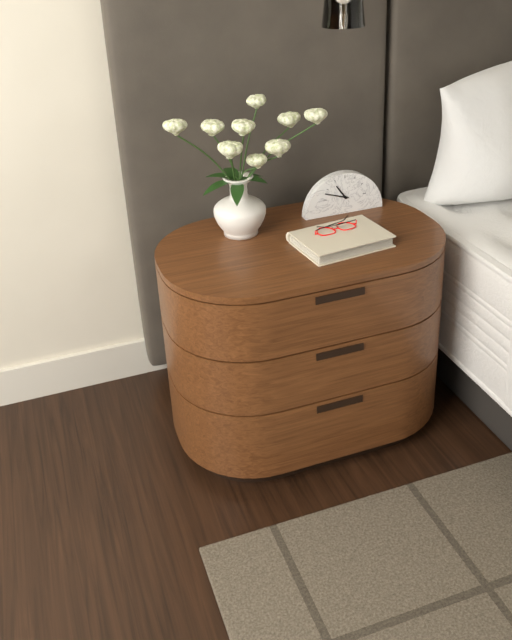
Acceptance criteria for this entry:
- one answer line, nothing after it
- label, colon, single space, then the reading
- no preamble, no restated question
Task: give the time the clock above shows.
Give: 10:48
